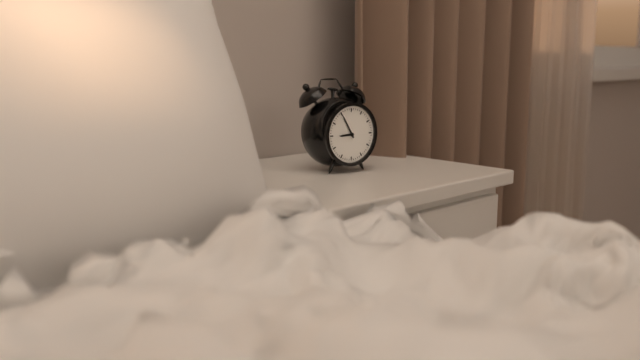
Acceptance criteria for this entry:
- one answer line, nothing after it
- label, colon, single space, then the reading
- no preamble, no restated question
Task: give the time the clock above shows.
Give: 8:55
